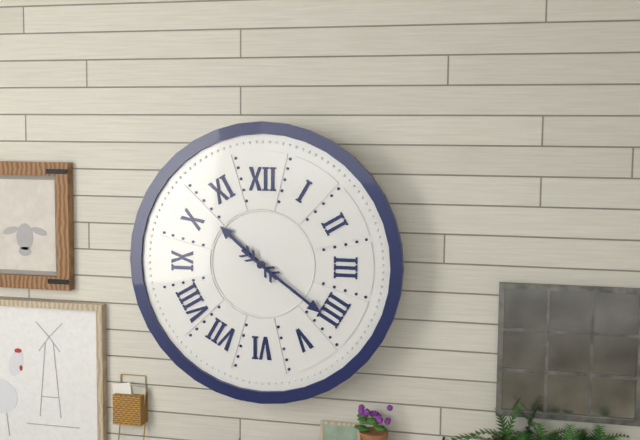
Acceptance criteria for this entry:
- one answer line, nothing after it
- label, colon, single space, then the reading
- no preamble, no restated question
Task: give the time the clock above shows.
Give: 10:21
